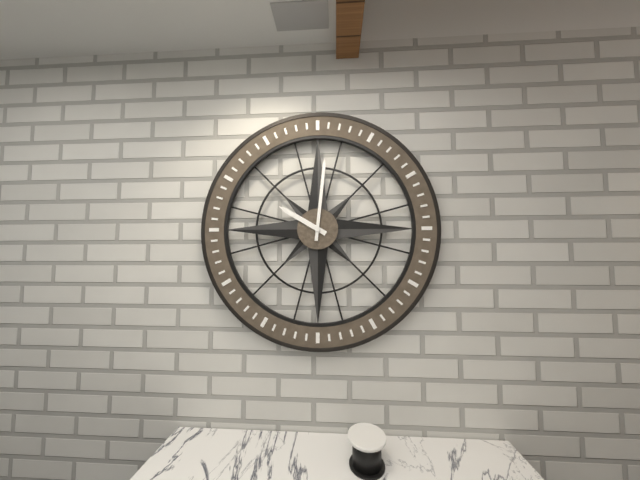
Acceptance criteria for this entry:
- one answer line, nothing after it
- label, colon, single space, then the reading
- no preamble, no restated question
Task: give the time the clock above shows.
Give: 10:01
